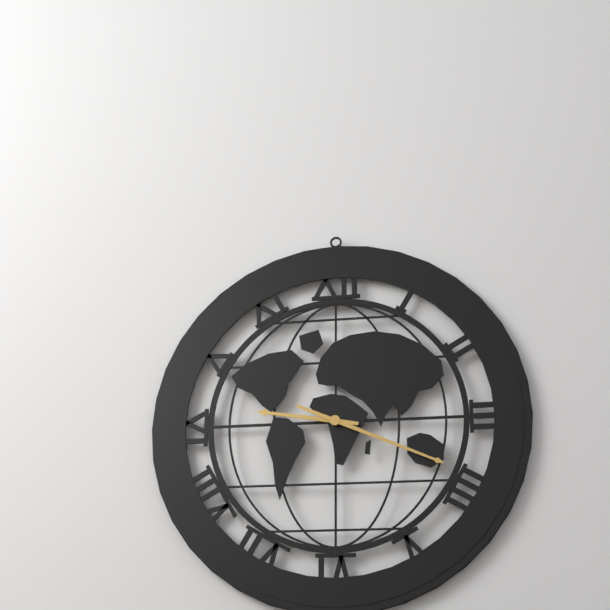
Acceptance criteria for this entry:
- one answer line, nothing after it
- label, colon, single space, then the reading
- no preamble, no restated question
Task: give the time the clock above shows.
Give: 9:19
